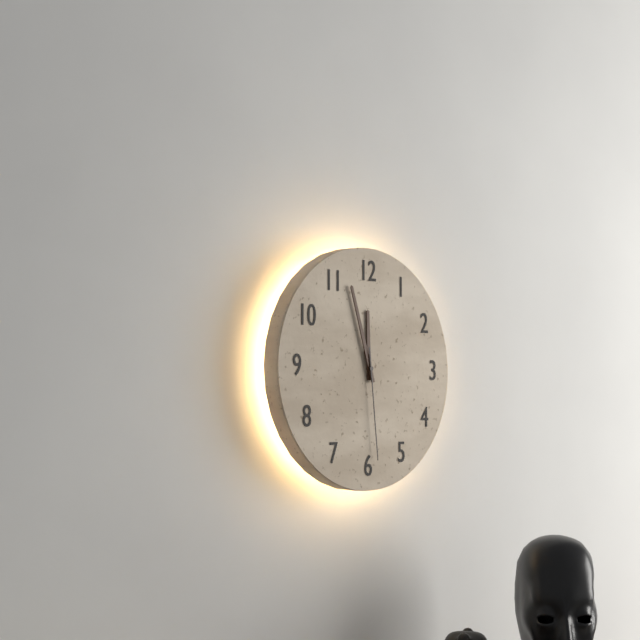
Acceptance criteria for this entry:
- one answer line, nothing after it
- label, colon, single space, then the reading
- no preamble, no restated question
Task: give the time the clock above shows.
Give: 11:57:29
